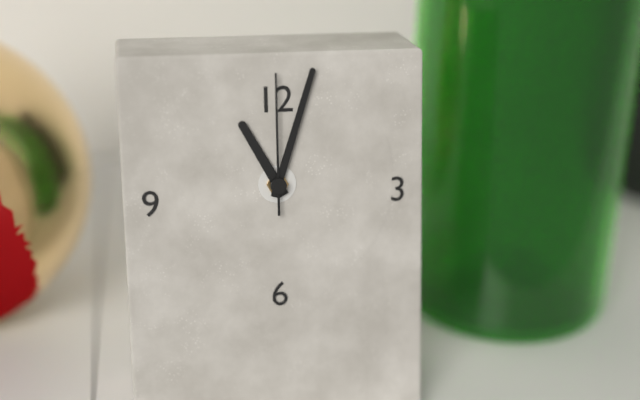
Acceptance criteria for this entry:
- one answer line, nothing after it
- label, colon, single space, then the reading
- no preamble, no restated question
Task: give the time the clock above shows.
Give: 11:03:00
